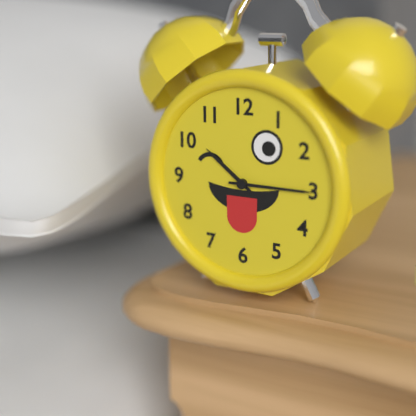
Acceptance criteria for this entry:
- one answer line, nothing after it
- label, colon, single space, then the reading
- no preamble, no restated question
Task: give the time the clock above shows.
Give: 10:15
